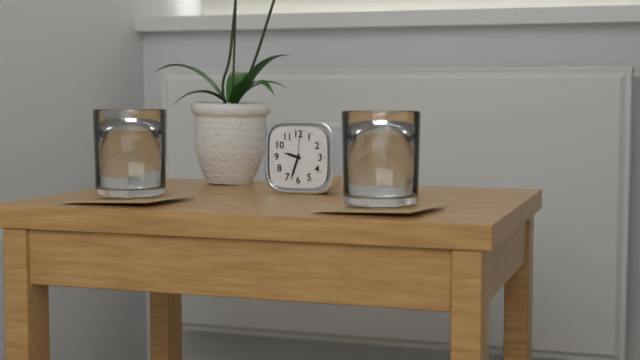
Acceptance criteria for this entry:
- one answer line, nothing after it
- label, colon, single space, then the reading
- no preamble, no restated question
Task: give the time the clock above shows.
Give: 9:33
